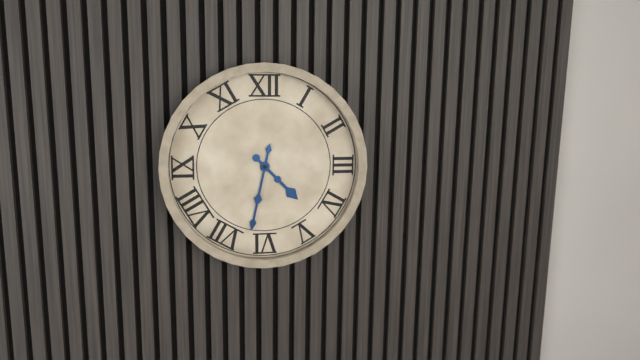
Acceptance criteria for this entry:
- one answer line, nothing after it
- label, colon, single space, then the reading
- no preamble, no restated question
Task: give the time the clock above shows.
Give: 4:32
